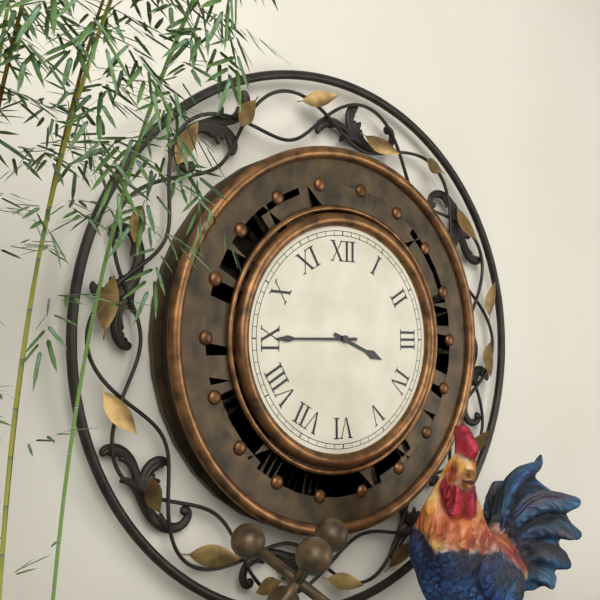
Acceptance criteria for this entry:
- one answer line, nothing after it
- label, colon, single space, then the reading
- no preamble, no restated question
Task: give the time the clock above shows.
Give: 3:45
